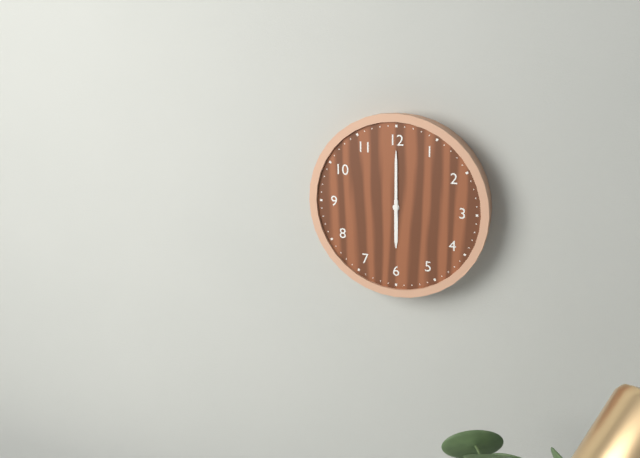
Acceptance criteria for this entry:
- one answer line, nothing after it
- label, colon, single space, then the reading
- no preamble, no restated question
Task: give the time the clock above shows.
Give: 6:00
